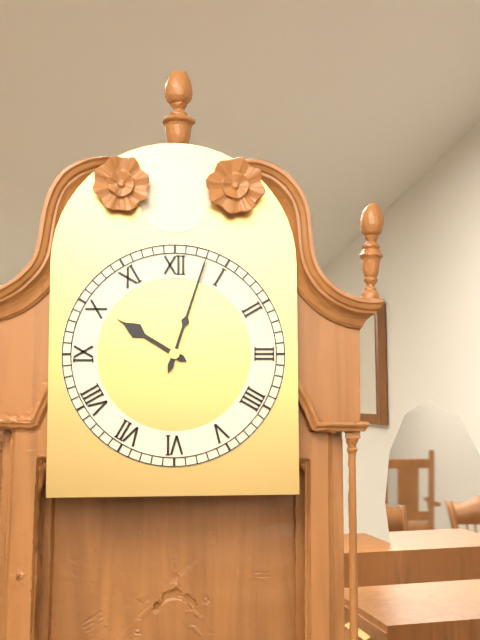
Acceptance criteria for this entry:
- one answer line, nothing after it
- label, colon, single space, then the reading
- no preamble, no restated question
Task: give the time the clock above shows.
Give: 10:03
